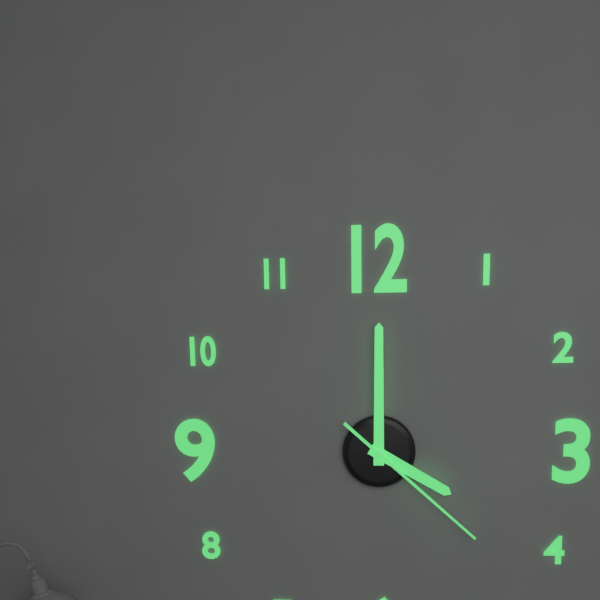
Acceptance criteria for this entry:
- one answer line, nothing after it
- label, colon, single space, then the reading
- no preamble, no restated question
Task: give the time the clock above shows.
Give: 4:00:22
